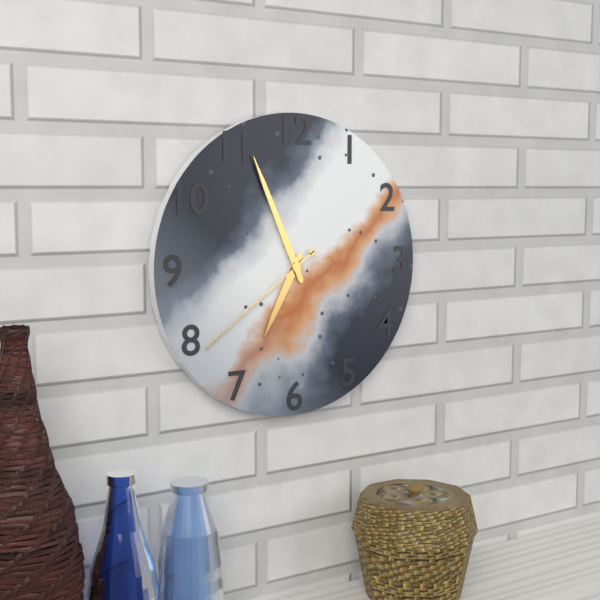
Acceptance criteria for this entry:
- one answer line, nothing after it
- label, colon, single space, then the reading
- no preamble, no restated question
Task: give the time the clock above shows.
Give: 6:56:39
